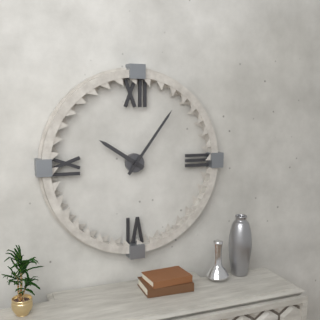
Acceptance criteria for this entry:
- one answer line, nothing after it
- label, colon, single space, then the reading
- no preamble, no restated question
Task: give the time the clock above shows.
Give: 10:06
